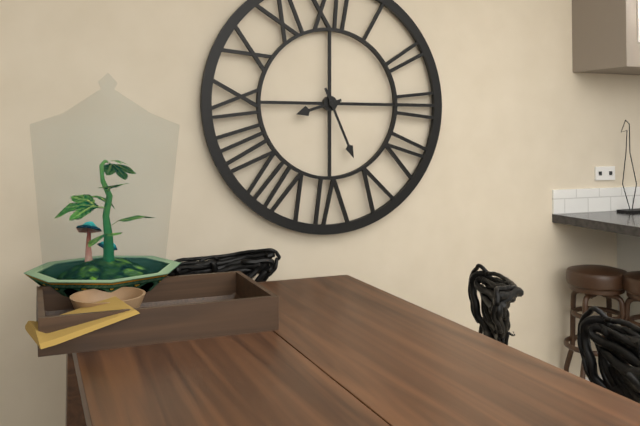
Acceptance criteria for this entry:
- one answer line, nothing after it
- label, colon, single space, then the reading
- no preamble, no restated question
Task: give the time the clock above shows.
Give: 8:26
